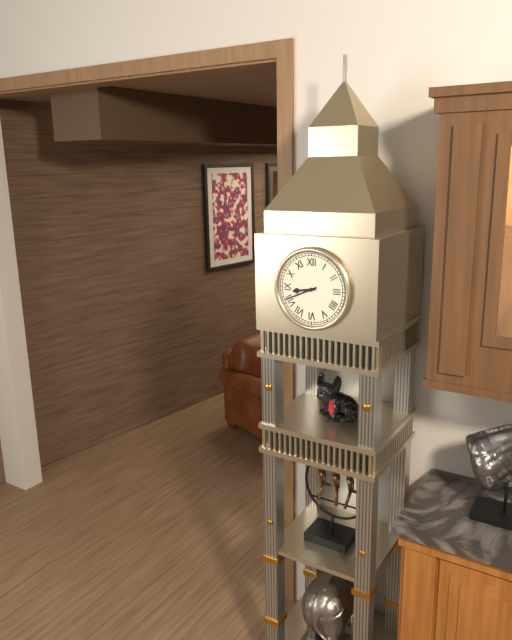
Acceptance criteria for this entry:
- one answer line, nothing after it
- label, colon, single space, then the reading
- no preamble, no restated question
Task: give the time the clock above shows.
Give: 8:41
